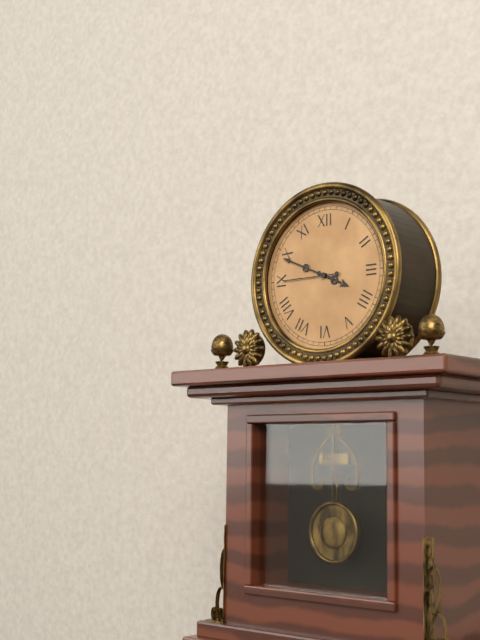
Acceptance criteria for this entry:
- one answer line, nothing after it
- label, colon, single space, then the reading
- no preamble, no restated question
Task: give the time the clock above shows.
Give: 3:49:45
